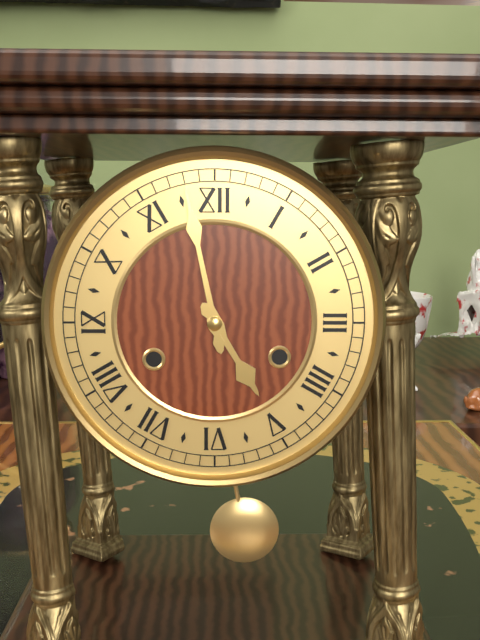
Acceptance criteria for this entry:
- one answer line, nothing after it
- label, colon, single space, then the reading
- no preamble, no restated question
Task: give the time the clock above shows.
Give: 4:58
